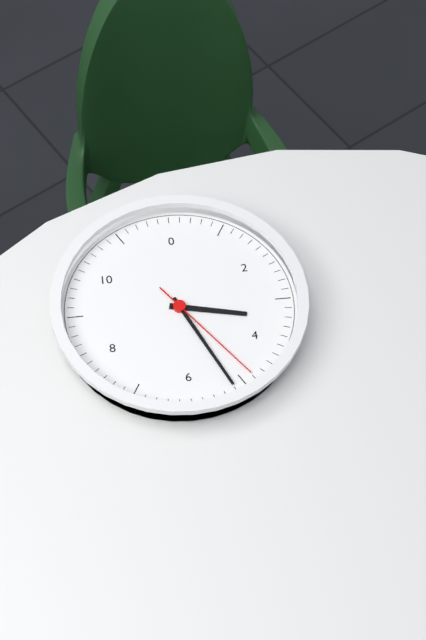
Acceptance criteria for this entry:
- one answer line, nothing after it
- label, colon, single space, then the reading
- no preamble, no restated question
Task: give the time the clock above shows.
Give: 3:26:24
